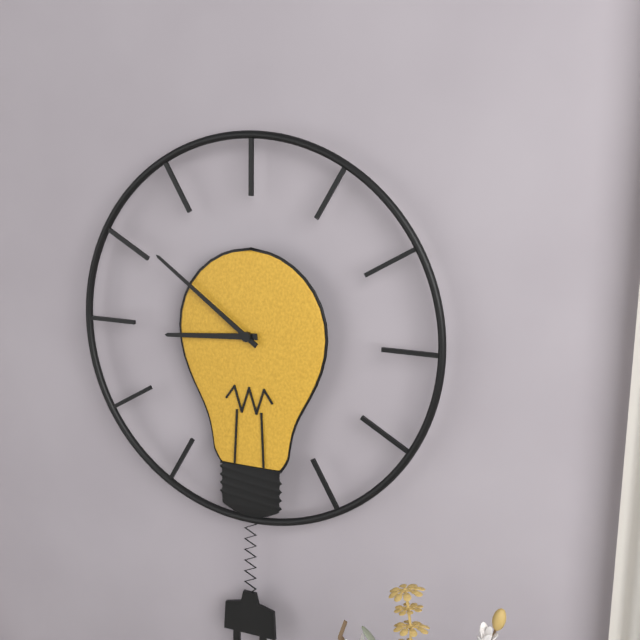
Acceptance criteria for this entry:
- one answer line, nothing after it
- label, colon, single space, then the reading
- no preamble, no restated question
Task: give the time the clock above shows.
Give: 8:51
